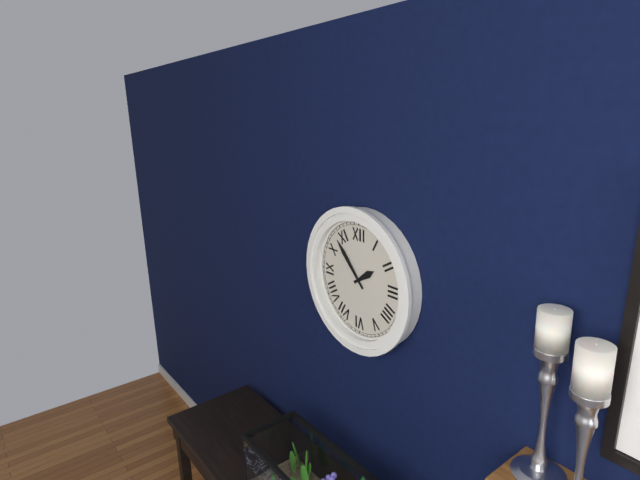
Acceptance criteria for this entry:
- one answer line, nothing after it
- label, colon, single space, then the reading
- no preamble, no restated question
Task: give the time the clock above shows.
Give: 1:53
